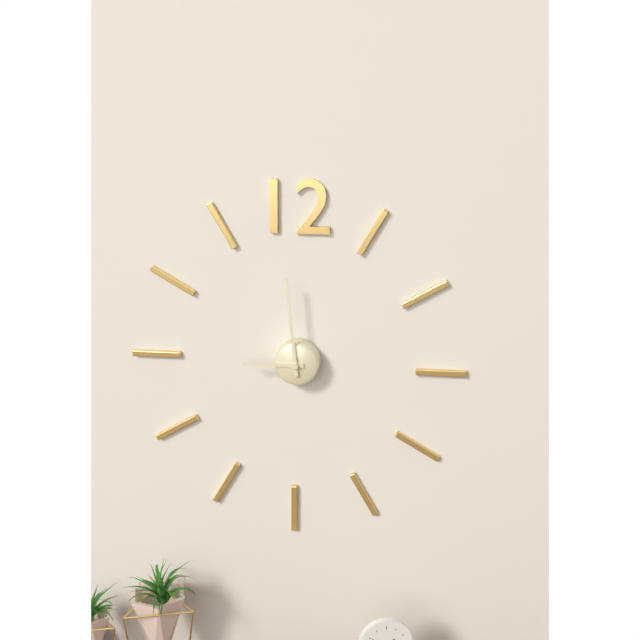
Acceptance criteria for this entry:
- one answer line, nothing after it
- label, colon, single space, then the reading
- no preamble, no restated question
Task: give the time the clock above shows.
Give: 8:59
